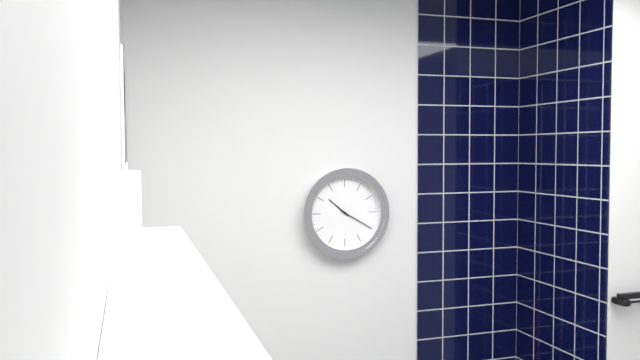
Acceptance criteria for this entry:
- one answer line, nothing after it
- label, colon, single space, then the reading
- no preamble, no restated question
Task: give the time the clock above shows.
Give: 10:20
